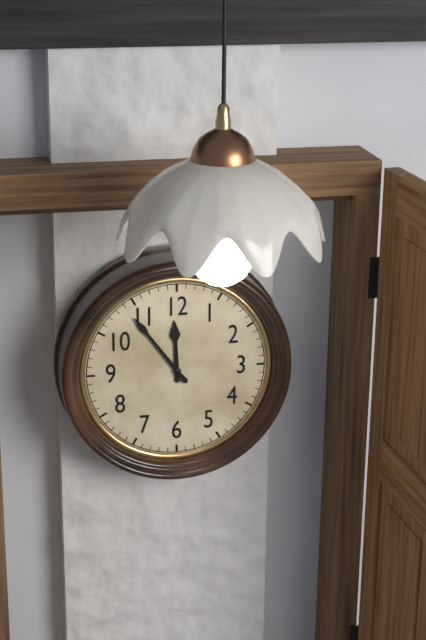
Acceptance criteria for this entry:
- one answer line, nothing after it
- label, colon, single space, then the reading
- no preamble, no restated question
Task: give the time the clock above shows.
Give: 11:54
